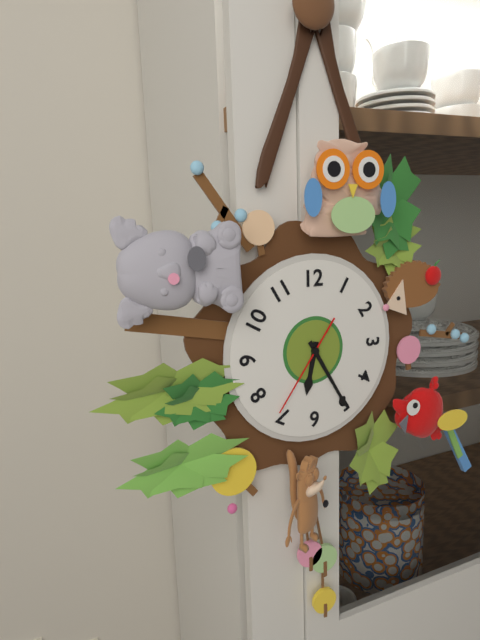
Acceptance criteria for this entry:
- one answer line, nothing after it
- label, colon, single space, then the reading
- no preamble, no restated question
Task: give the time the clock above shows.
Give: 6:25:36
